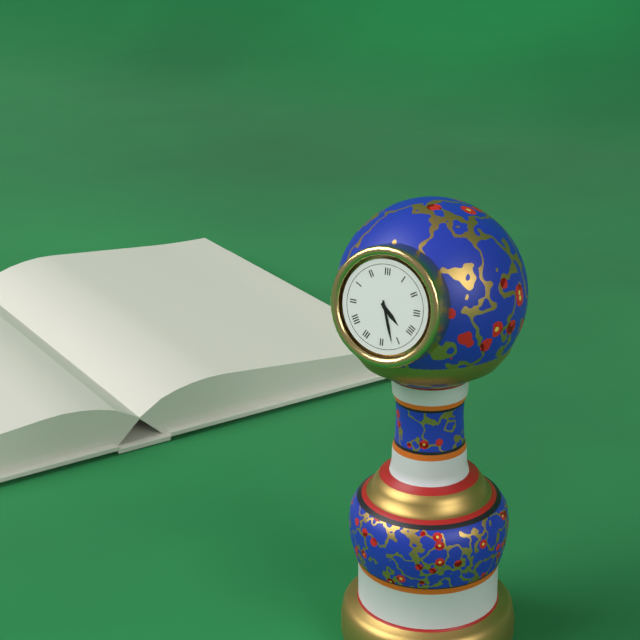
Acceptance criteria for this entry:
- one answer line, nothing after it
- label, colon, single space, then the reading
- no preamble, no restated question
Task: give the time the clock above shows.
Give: 4:27
